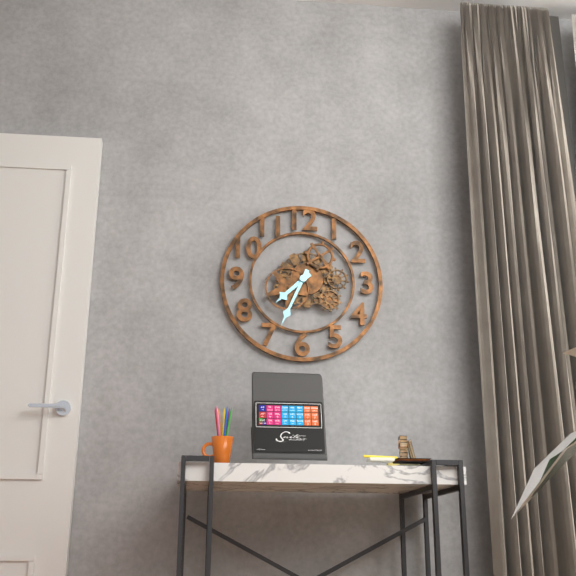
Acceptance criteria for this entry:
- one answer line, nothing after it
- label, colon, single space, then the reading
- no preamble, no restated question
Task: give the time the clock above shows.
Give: 7:34
